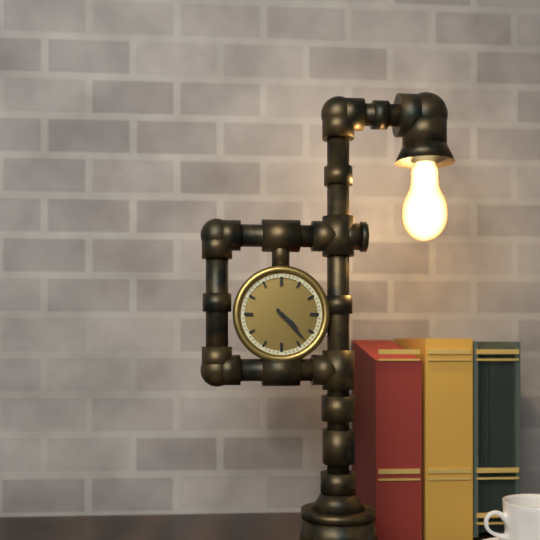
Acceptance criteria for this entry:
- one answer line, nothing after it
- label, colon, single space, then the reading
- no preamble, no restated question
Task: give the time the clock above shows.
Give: 4:23
